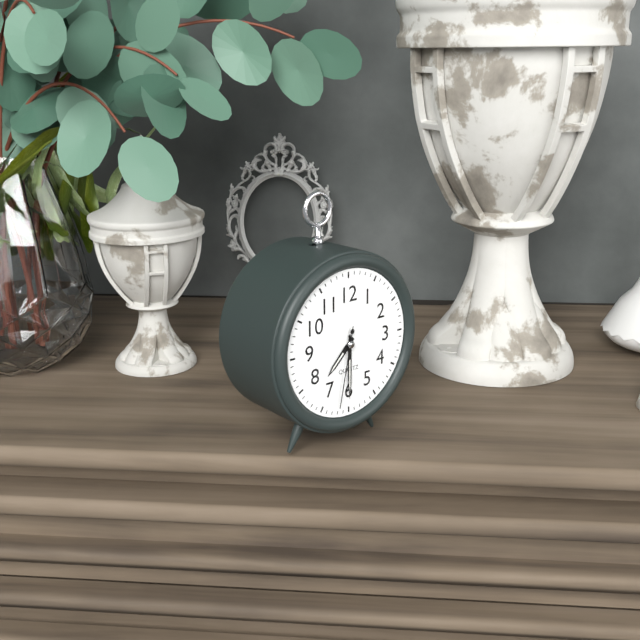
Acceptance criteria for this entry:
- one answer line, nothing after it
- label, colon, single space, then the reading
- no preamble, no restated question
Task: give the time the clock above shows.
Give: 7:30:32
